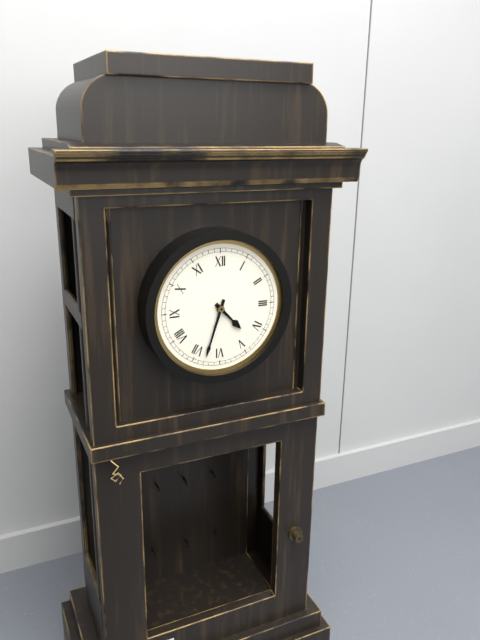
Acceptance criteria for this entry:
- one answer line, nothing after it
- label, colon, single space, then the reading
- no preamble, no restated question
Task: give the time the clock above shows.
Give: 4:33
